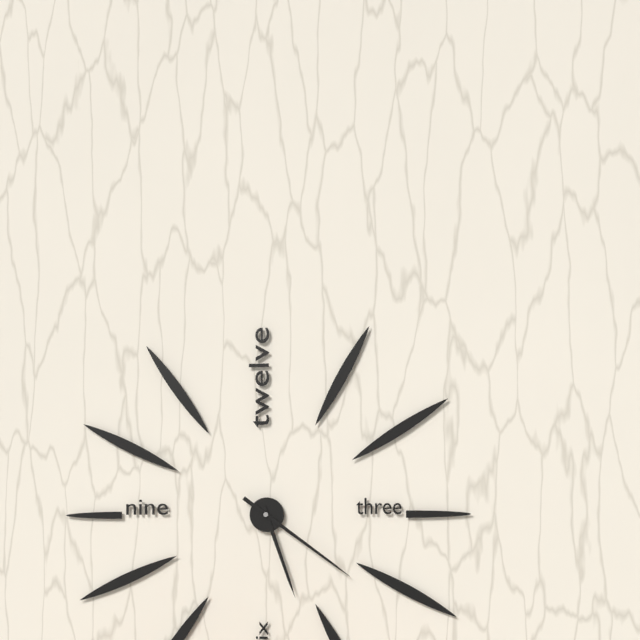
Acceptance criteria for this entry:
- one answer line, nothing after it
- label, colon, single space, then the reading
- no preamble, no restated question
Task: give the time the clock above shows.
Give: 5:21
